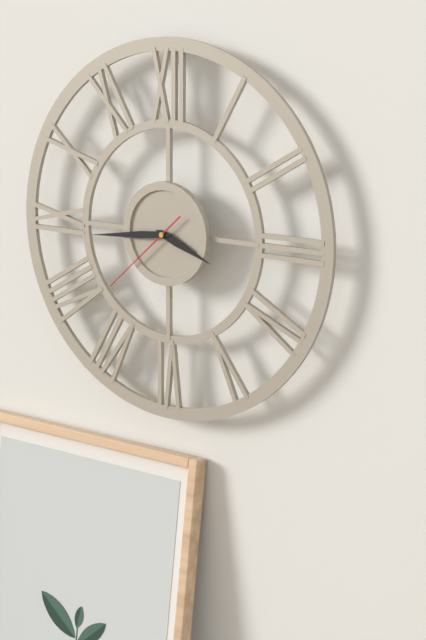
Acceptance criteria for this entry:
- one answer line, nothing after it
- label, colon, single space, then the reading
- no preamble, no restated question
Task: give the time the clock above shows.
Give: 3:44:38
